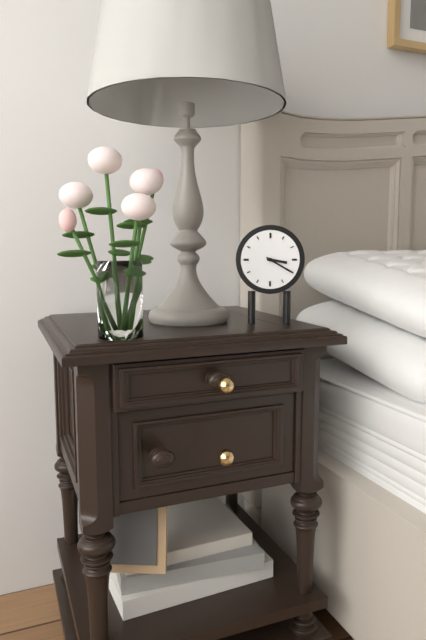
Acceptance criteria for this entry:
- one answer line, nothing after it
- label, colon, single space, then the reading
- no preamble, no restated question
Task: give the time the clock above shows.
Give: 3:20
